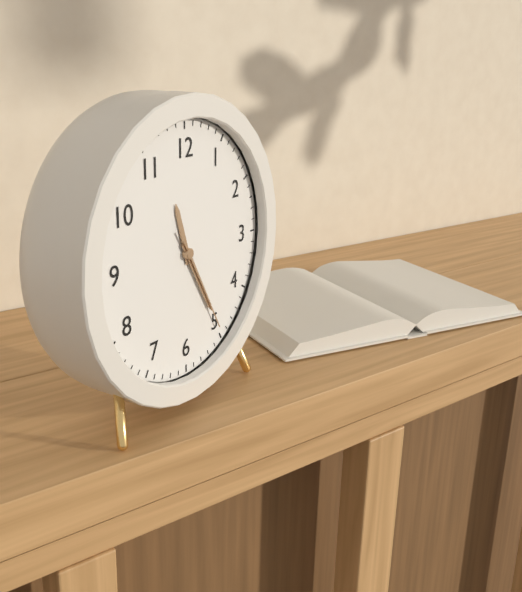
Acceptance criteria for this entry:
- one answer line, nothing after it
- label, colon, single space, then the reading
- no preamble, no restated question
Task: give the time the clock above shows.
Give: 11:25:25
